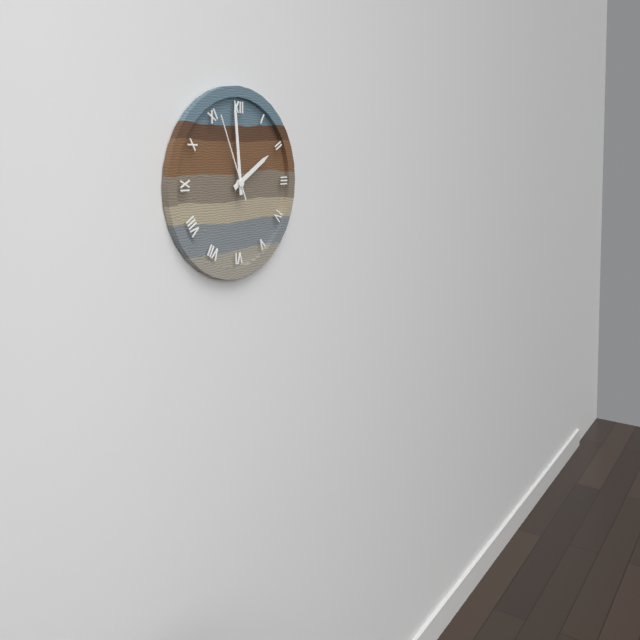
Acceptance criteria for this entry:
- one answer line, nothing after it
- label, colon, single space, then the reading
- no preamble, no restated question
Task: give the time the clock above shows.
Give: 1:59:56
